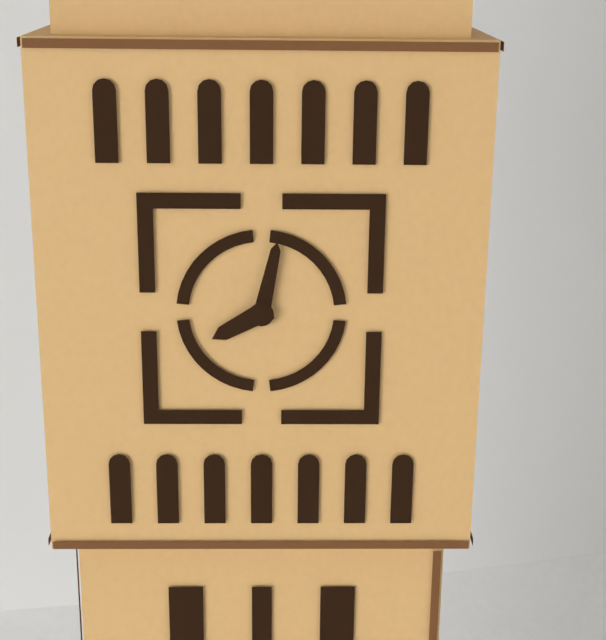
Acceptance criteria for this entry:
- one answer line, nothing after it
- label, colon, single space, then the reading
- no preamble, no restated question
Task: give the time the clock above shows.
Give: 8:02
